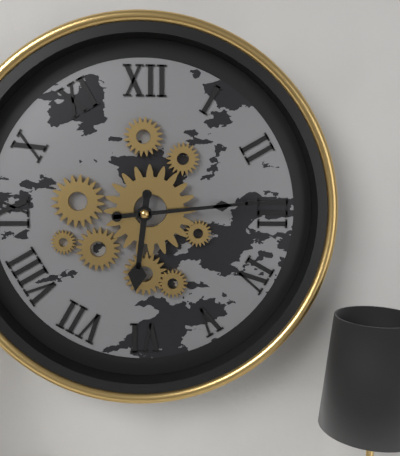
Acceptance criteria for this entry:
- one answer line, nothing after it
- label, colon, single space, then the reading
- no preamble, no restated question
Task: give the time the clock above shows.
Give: 6:14
